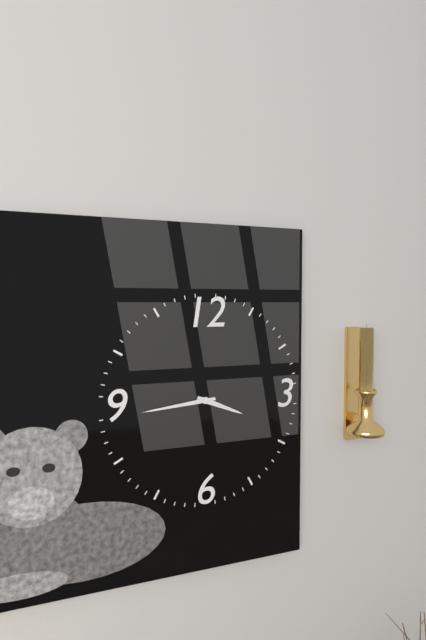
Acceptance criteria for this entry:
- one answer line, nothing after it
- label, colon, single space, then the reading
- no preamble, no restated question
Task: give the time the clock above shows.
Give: 3:44
